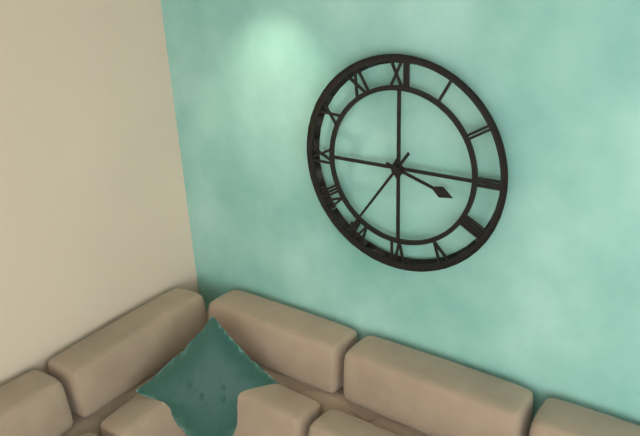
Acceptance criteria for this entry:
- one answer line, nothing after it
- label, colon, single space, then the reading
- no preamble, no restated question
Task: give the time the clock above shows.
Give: 3:36
